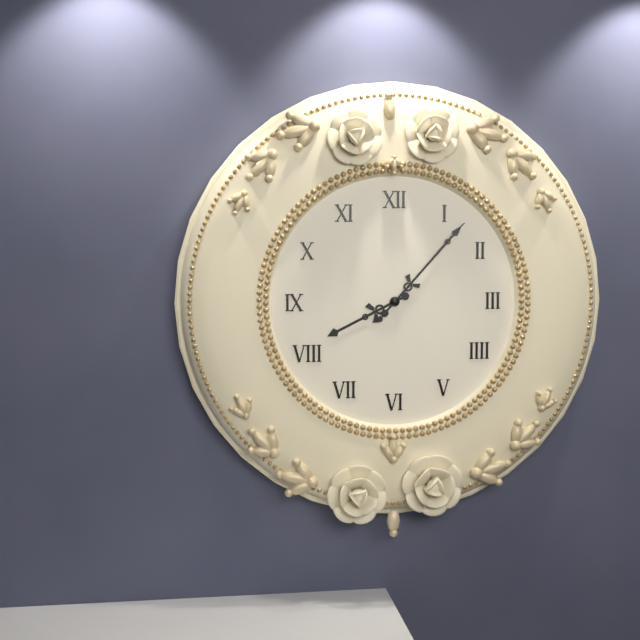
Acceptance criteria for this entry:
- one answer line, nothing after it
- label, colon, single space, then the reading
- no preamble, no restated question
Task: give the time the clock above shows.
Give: 8:07:07
